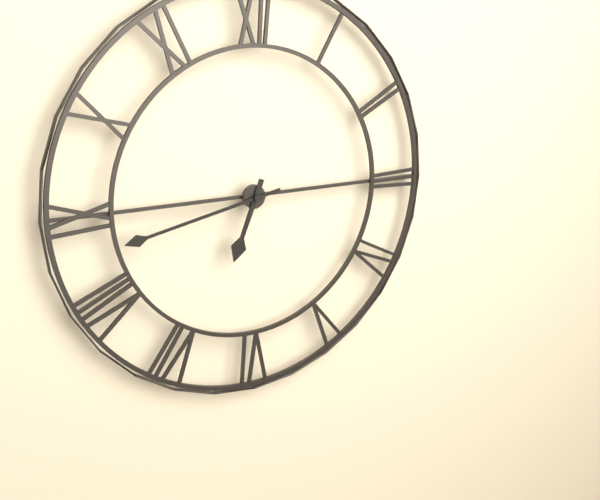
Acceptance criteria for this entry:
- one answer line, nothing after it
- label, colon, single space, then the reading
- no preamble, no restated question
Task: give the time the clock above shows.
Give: 6:43
